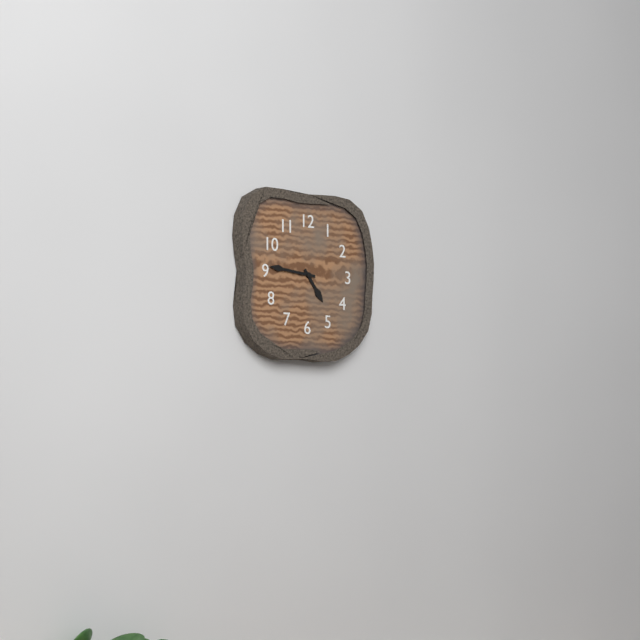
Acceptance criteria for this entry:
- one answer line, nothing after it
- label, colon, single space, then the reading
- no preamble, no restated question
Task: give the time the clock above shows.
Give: 4:46
